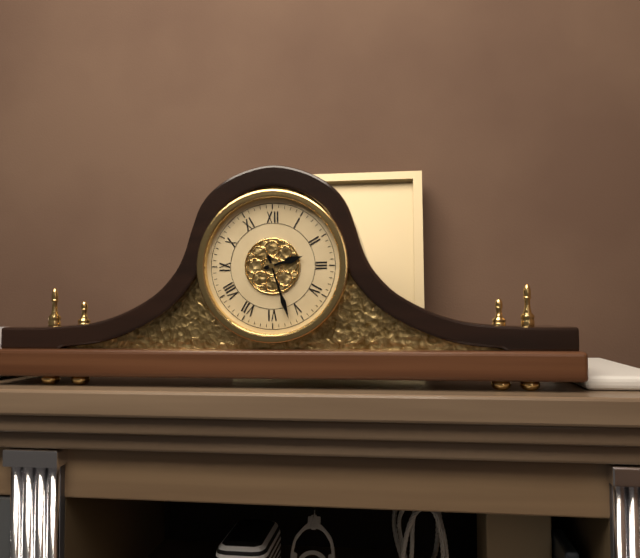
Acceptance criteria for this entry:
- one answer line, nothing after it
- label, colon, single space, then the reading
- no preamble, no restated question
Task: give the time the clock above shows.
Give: 2:27
